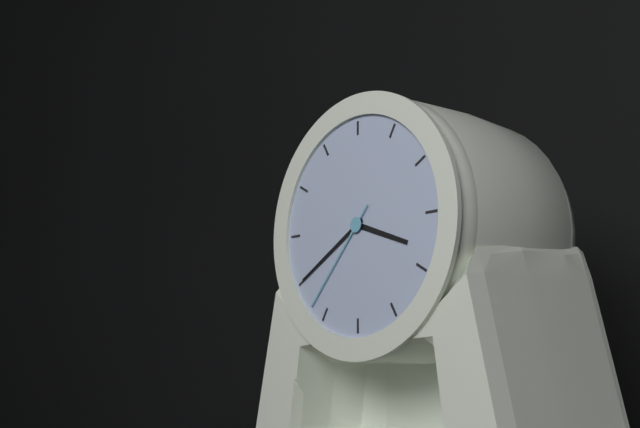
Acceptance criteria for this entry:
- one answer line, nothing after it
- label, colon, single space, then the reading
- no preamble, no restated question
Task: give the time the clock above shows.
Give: 3:40:37
